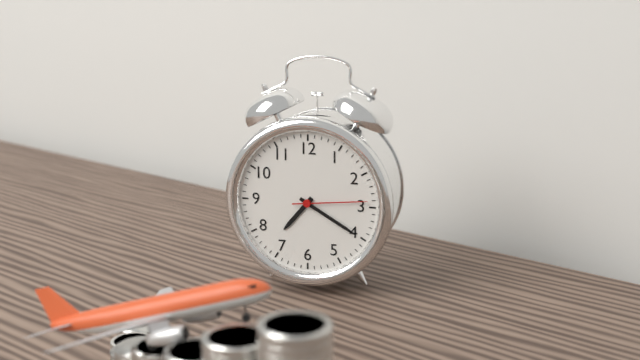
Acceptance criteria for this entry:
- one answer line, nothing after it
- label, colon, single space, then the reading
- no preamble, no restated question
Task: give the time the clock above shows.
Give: 7:20:14
